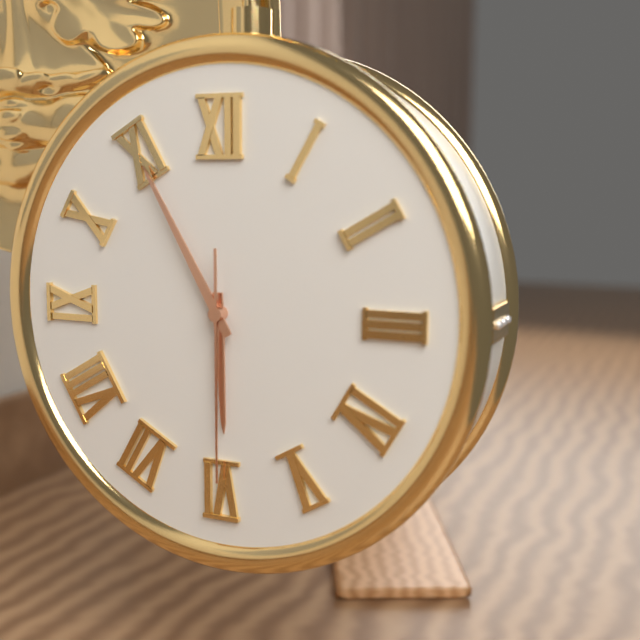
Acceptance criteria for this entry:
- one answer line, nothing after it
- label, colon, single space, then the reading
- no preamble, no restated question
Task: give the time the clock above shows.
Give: 5:55:30
